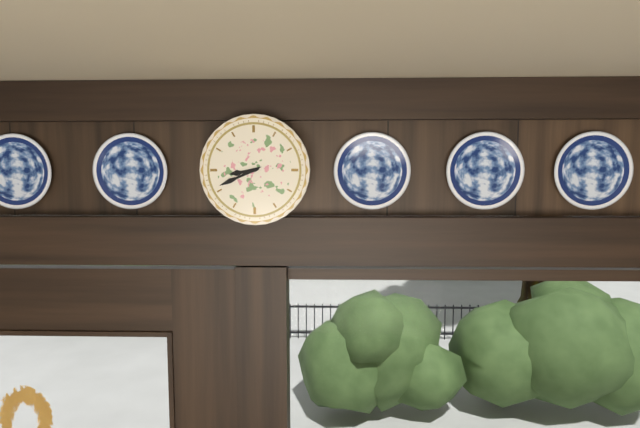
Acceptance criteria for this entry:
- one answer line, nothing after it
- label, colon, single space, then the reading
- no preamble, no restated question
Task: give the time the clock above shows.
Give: 8:41
